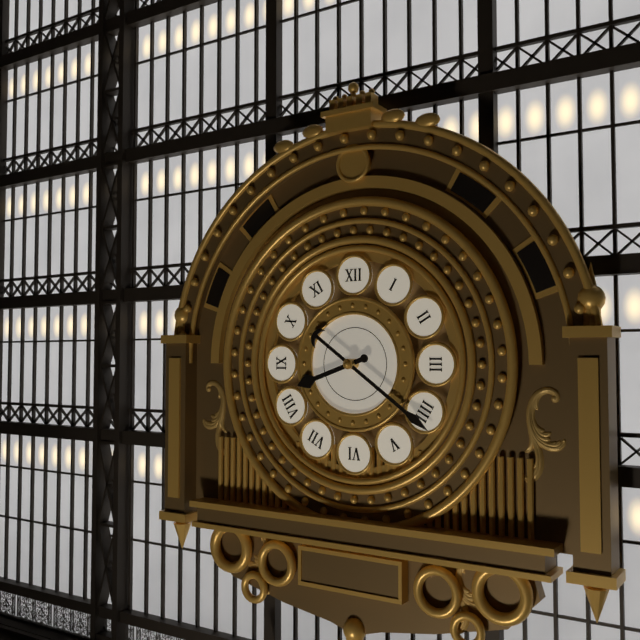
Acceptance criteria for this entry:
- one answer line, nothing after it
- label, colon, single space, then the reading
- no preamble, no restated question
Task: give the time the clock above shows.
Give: 8:21
